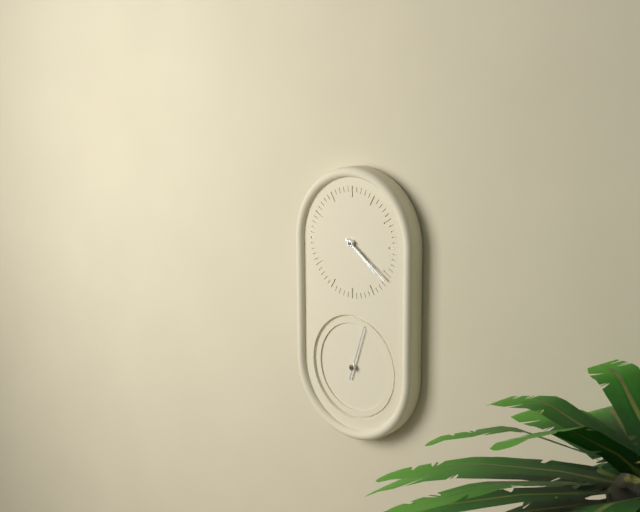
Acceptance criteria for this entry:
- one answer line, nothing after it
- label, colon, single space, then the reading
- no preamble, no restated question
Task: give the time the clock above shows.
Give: 4:21
